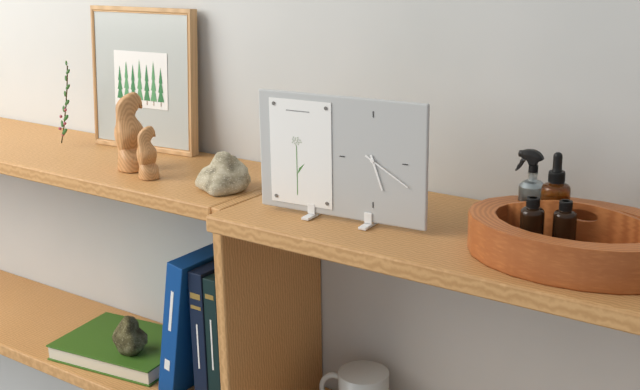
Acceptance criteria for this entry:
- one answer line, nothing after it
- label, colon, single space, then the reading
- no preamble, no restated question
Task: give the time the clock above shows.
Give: 5:20
